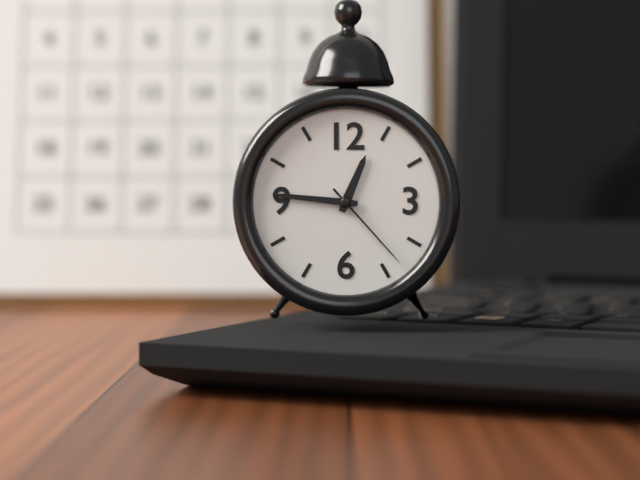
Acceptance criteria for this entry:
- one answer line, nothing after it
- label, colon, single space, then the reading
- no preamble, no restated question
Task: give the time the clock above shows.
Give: 12:46:23
